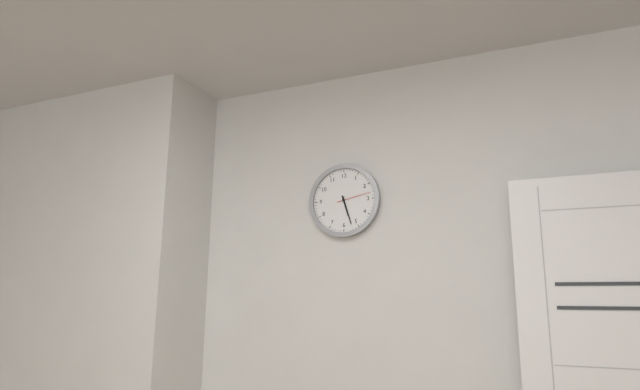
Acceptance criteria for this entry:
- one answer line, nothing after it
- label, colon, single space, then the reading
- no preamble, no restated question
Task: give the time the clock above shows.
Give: 5:27
